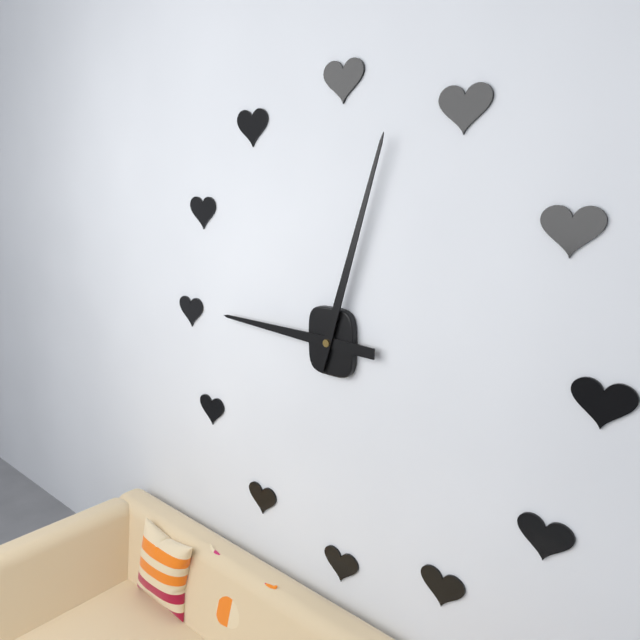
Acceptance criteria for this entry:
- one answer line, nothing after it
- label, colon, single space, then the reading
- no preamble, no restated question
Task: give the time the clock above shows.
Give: 9:03
